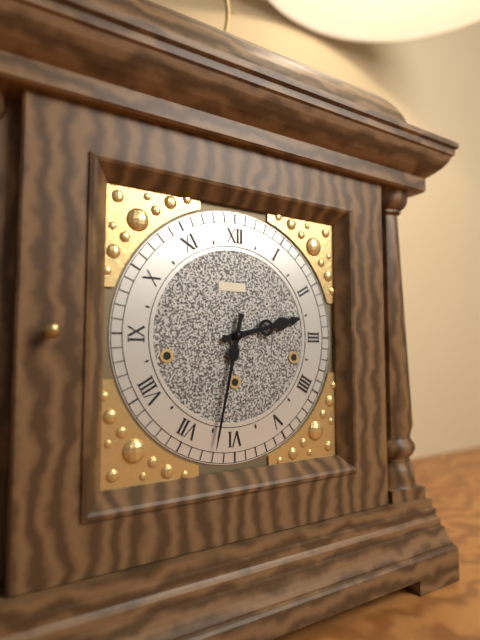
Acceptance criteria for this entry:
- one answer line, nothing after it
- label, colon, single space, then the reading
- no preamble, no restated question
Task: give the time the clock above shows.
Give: 2:32
